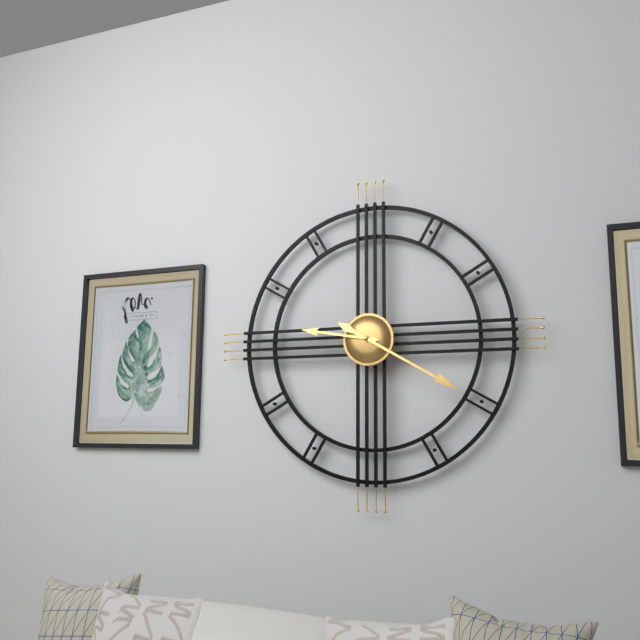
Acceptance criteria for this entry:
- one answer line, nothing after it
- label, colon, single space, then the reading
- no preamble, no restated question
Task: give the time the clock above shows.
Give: 9:20
